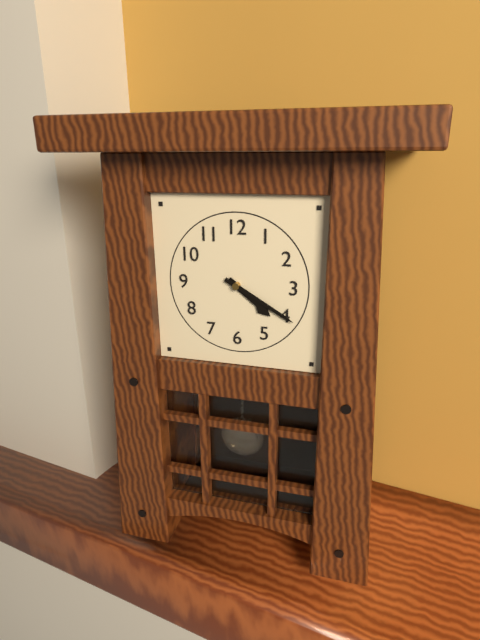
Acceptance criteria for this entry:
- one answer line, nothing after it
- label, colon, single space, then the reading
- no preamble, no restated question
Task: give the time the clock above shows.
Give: 4:20
